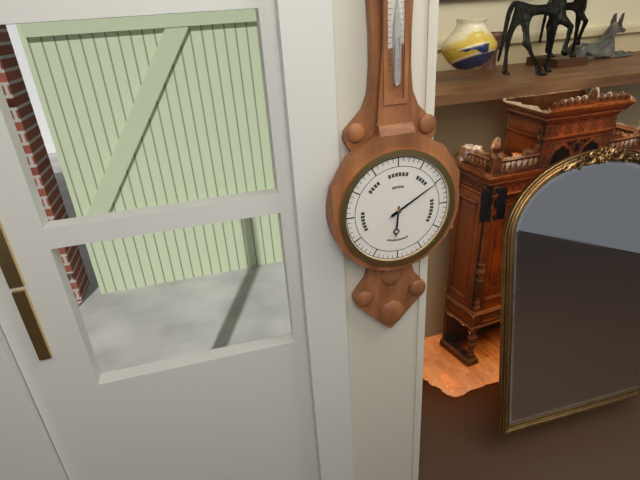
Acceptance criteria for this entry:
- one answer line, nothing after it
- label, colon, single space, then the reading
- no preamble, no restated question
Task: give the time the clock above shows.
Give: 6:10
